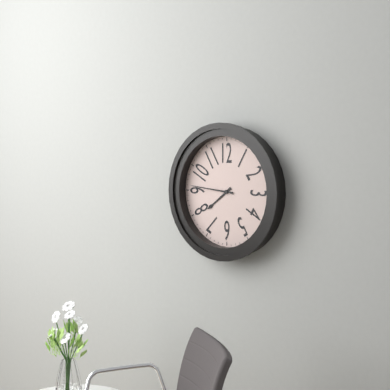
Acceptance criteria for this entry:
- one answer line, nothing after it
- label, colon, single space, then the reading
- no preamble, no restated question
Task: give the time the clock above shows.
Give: 7:46
